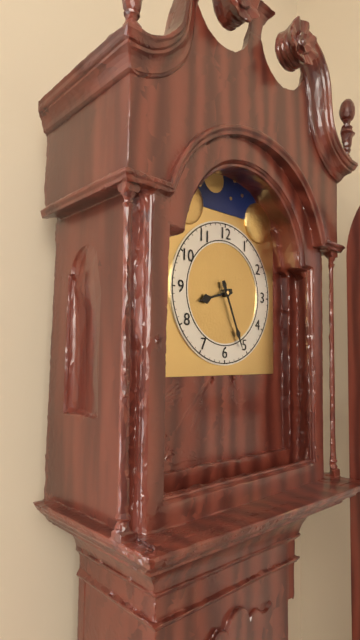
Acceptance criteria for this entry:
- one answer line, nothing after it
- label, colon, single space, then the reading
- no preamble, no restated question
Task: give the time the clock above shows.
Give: 8:26
